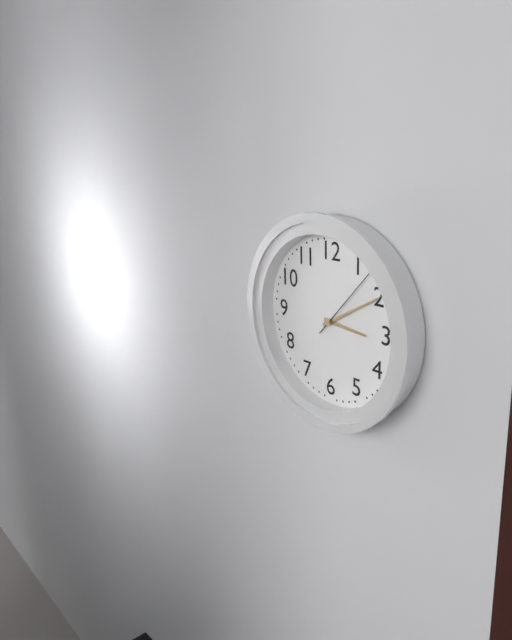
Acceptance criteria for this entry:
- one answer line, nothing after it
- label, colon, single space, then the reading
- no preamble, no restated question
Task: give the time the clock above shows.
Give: 3:10:07
